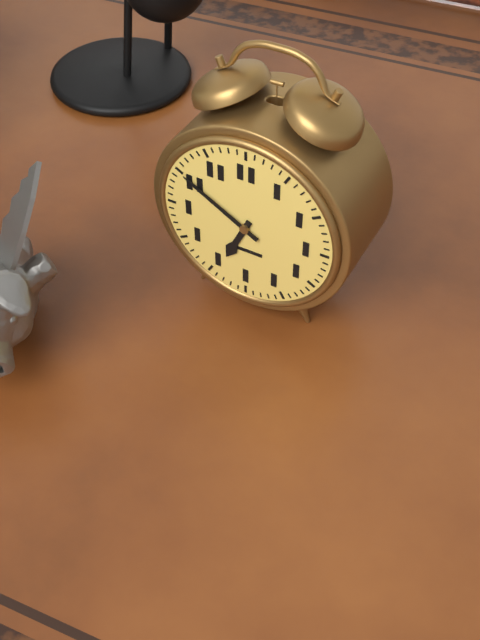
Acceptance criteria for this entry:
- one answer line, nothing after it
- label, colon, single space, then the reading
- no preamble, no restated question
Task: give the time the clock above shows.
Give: 6:50
